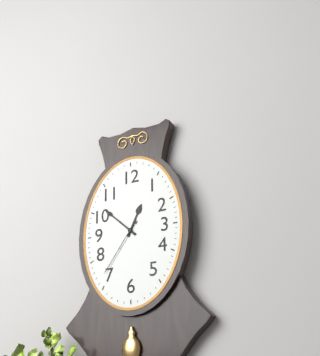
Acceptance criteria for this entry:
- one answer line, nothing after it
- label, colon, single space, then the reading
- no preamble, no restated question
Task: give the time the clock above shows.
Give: 12:52:36
